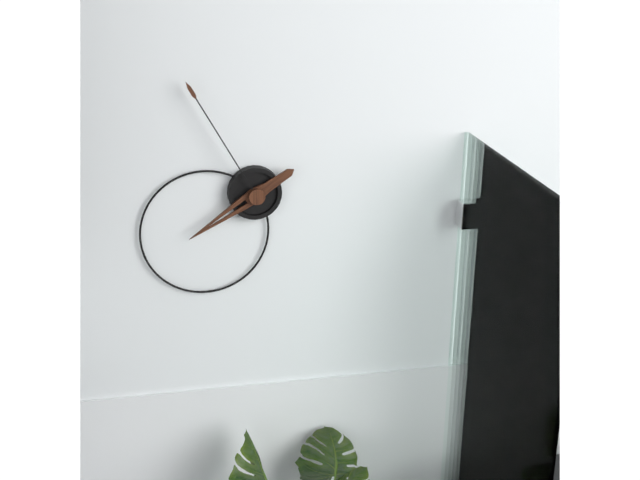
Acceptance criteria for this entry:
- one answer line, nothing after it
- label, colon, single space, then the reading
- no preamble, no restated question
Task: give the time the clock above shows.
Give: 7:55
